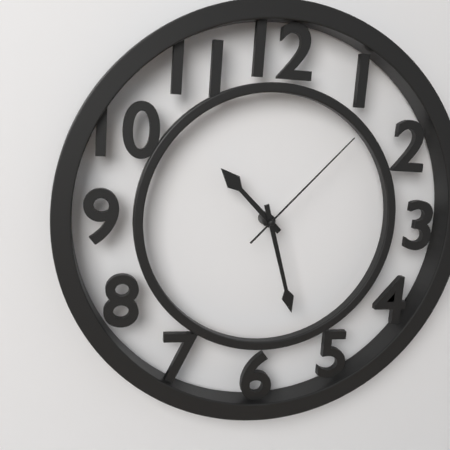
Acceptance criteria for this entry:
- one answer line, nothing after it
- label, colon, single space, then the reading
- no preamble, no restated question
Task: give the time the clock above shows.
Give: 10:27:07
